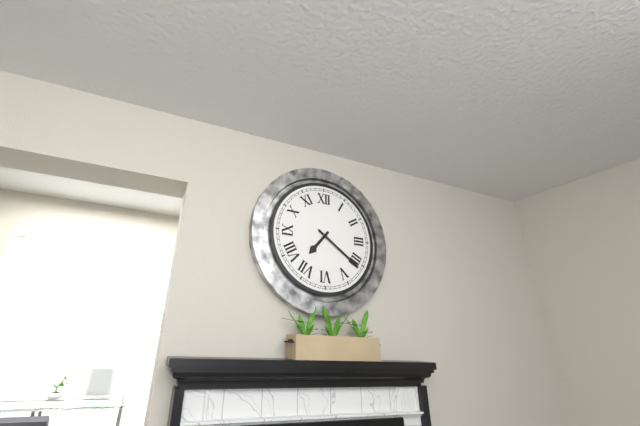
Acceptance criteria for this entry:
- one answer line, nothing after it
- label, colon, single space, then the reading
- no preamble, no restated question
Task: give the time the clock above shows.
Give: 7:21
